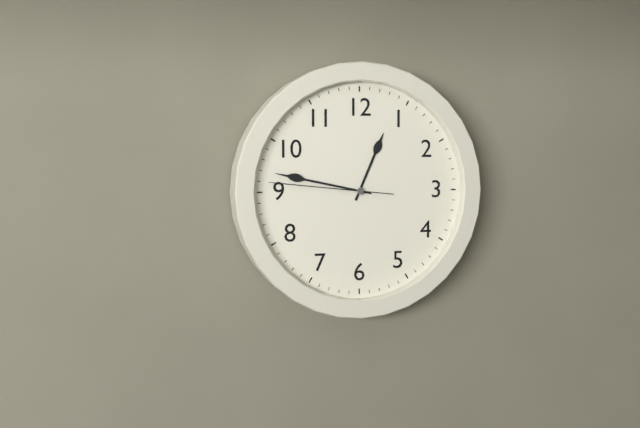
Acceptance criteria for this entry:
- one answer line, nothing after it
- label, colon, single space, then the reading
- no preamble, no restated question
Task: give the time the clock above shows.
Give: 12:47:46
